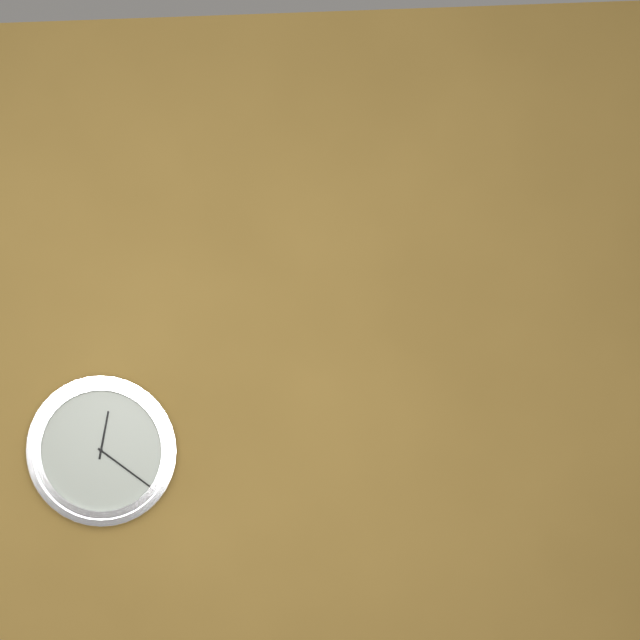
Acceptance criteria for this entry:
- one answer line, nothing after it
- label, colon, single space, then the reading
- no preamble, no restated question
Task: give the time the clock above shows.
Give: 12:21
